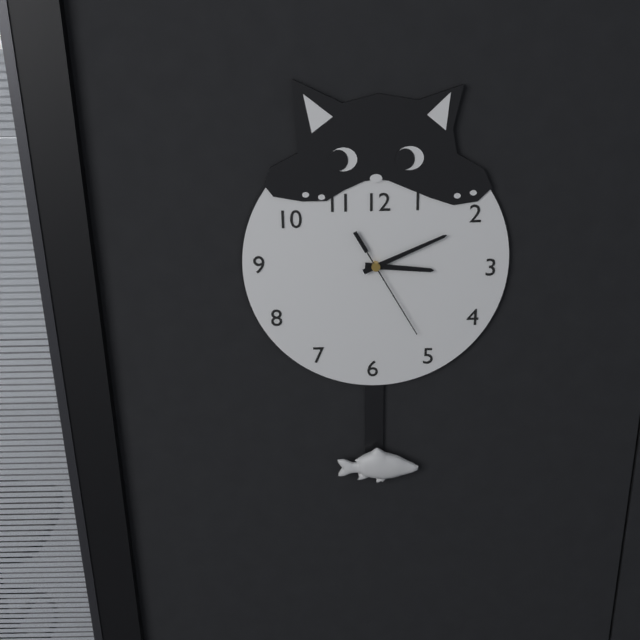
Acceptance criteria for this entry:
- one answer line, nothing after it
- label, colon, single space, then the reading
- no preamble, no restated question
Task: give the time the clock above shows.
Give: 3:11:25
